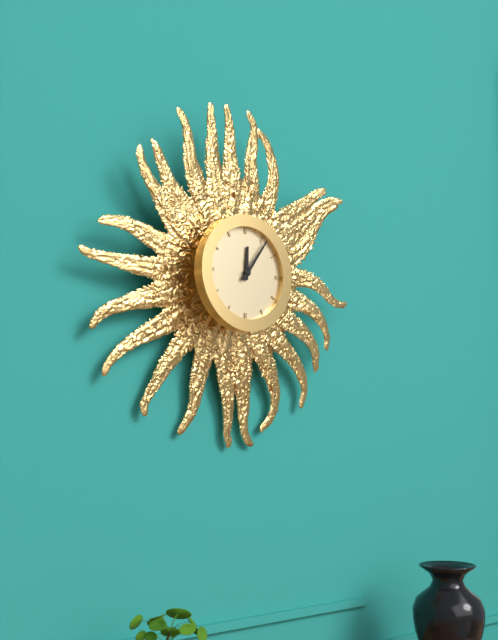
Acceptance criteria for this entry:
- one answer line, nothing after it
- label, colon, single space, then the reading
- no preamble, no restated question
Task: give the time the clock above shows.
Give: 12:06
